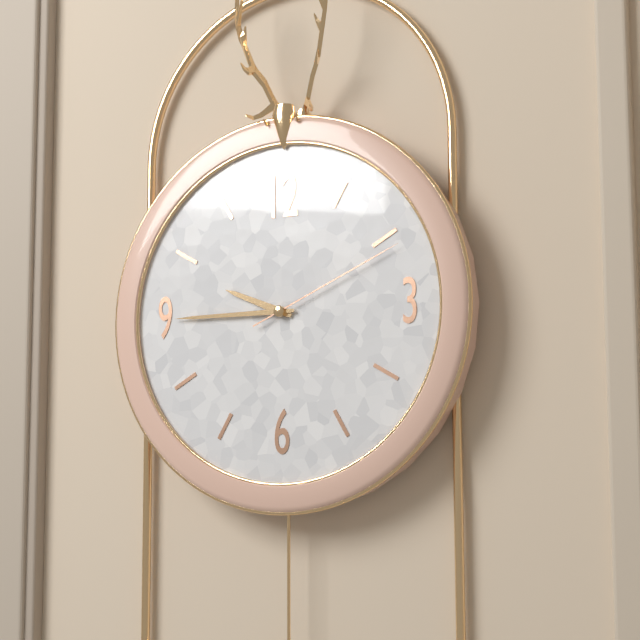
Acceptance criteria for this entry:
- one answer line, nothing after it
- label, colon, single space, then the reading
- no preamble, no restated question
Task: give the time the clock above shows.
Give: 9:45:11
